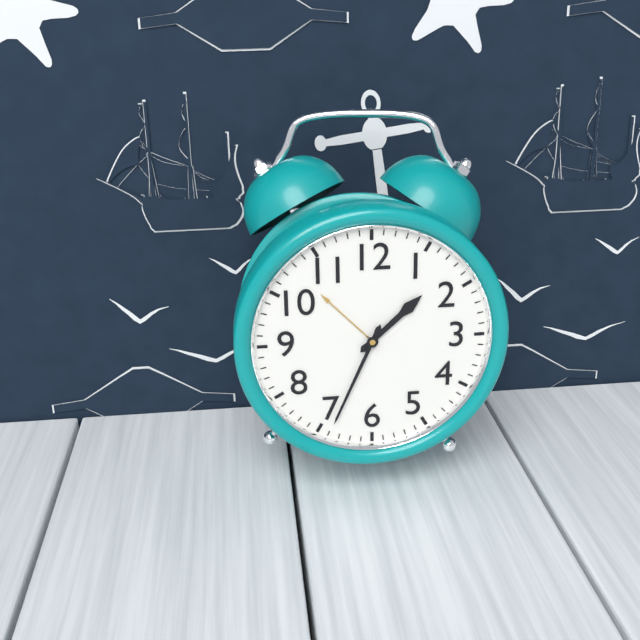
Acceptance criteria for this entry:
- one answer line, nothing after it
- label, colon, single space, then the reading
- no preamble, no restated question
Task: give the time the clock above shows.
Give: 1:34
